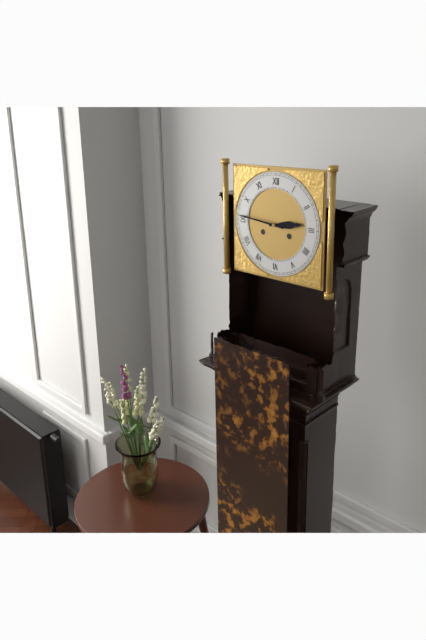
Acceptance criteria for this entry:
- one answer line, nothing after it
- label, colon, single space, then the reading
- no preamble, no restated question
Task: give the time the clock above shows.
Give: 2:46
